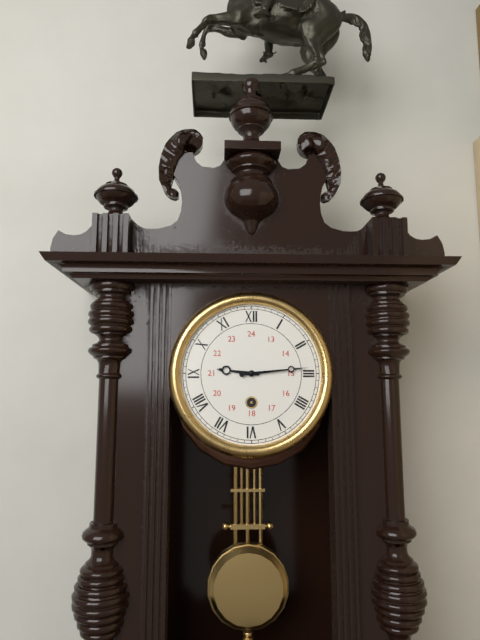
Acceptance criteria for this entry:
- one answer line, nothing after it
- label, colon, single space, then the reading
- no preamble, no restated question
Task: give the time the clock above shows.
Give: 9:14
